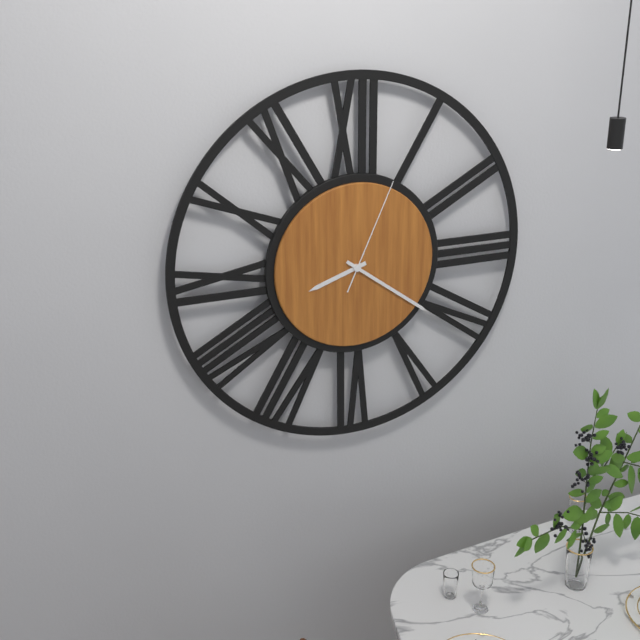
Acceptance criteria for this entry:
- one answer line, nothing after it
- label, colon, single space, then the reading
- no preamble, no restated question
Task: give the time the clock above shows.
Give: 8:21:04
